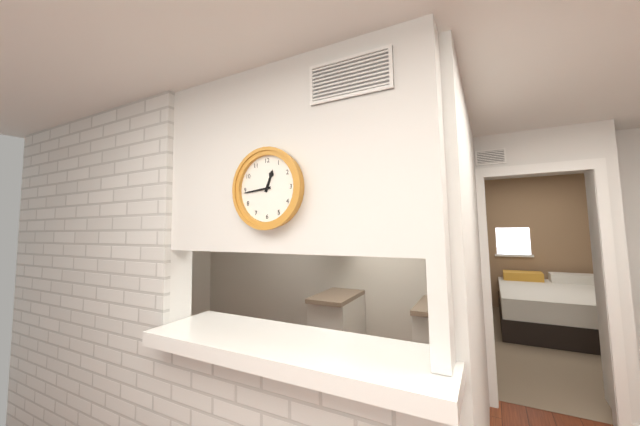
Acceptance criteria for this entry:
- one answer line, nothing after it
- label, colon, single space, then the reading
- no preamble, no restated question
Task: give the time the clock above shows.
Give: 12:44
